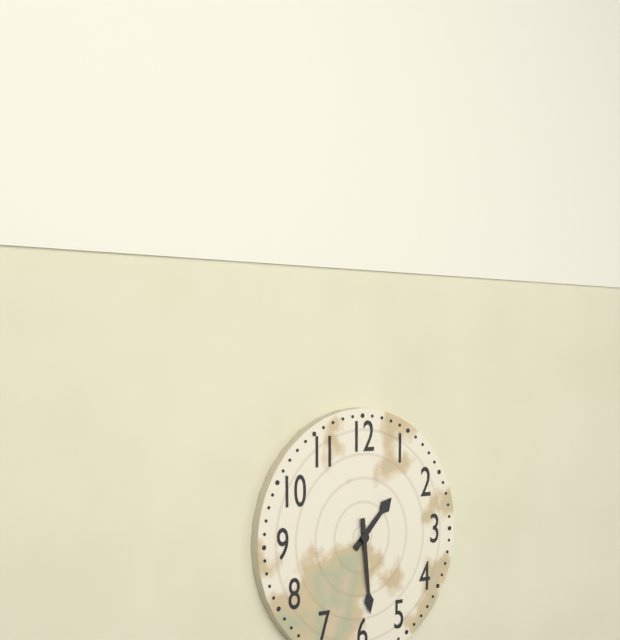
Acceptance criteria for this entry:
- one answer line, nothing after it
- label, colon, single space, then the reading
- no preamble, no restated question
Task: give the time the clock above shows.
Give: 1:29
